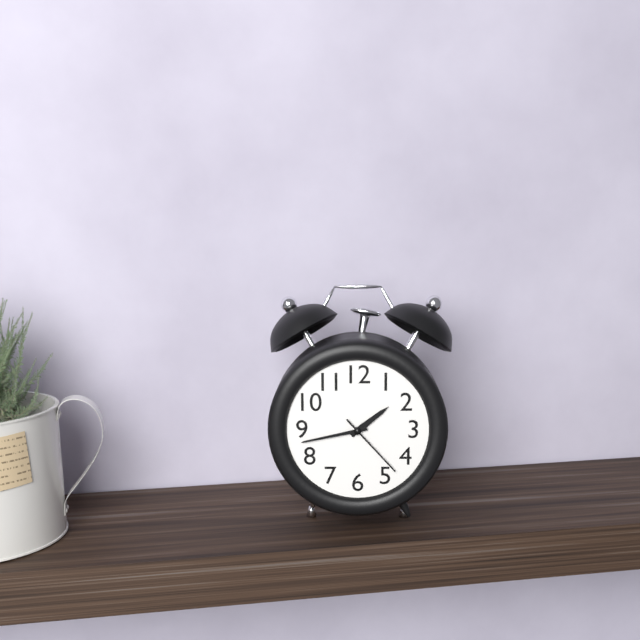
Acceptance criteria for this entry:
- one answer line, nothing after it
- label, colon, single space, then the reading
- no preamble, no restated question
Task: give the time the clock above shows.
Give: 1:43:23
